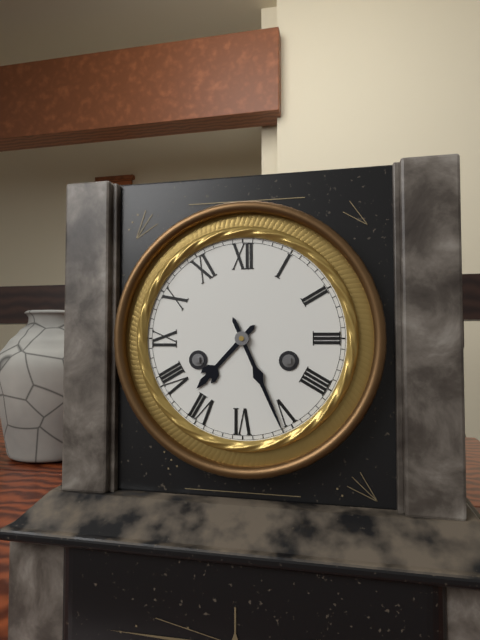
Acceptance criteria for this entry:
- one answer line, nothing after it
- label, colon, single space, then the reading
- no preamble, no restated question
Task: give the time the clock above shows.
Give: 7:26
